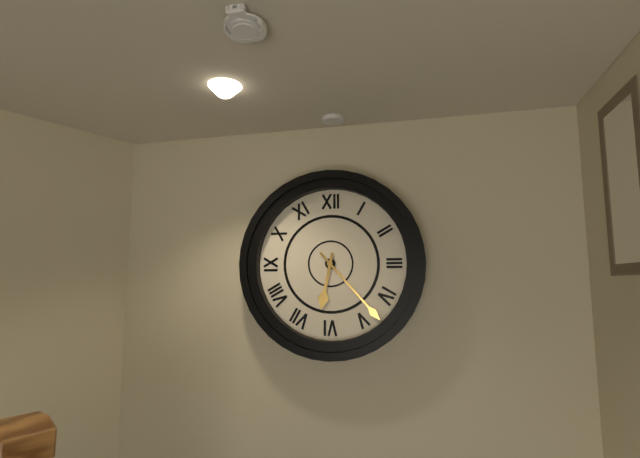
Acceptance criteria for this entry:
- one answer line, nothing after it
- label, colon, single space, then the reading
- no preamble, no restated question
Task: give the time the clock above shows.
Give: 6:23
